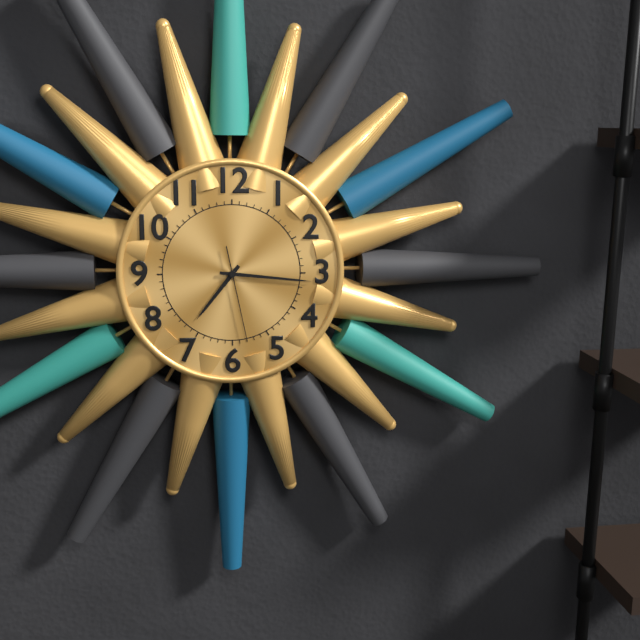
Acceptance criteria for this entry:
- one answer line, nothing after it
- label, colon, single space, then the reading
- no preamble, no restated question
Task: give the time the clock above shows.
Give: 7:16:28
